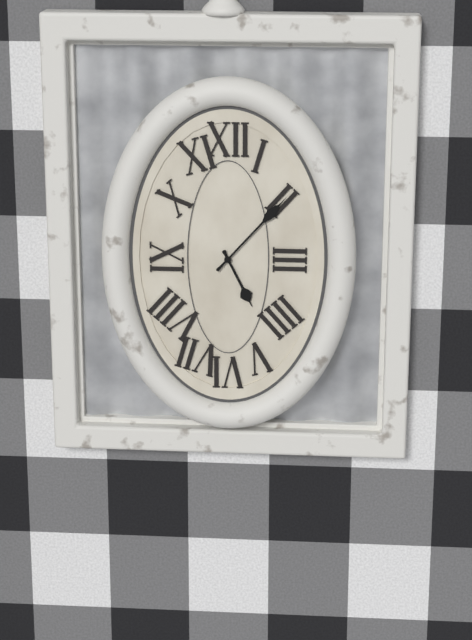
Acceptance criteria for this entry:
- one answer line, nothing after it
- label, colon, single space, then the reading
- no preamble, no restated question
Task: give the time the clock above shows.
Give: 5:07
